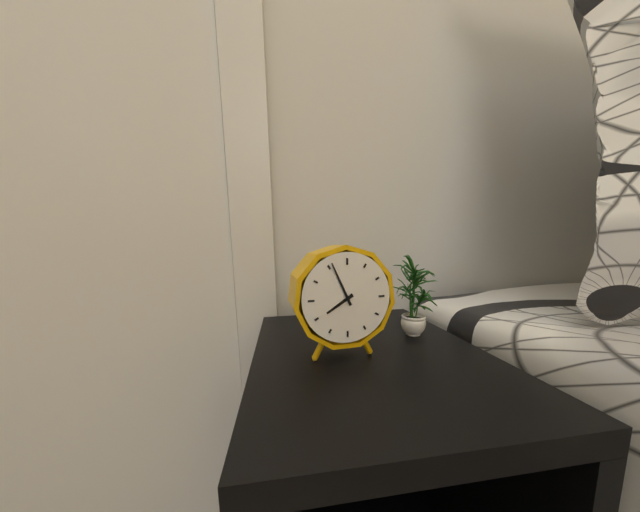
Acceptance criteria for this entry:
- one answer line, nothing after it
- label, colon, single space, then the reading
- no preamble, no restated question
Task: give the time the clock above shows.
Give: 7:56
